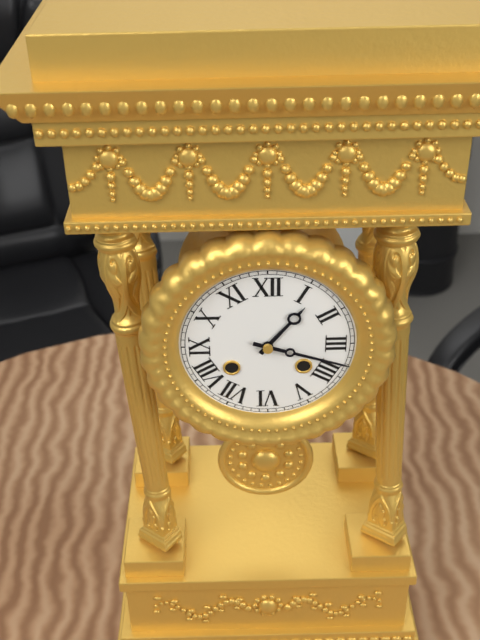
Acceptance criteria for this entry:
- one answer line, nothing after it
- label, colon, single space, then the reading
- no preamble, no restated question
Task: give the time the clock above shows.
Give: 1:18
